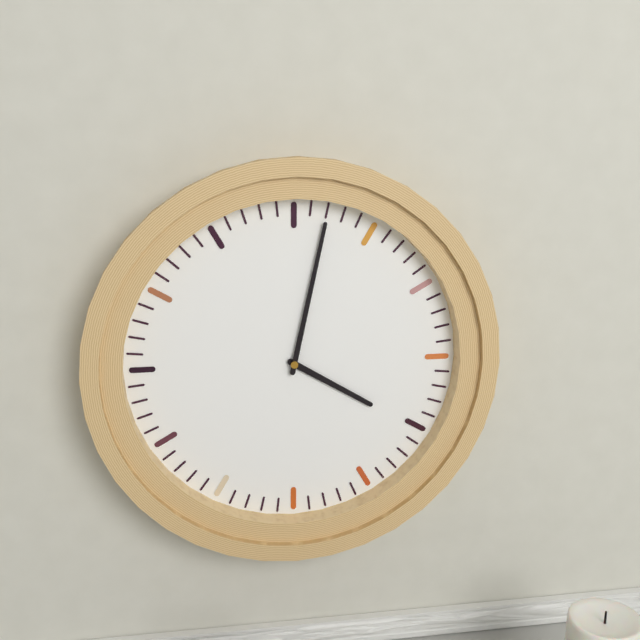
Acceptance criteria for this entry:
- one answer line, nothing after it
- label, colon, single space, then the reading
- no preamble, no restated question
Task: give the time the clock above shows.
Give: 4:02
